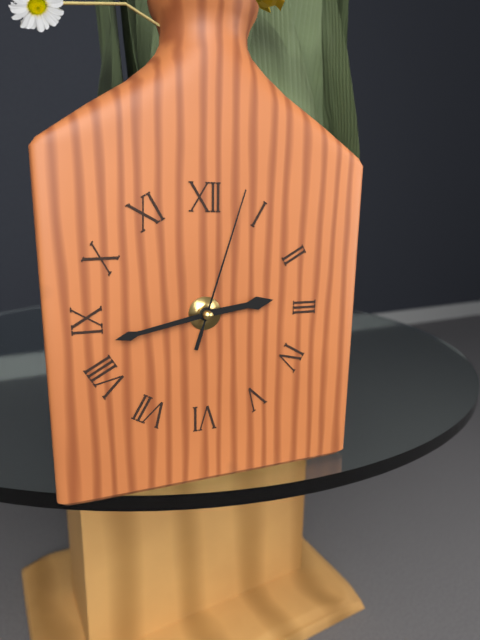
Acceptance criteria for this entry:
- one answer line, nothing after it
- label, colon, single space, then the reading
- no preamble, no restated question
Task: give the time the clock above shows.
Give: 2:43:03
